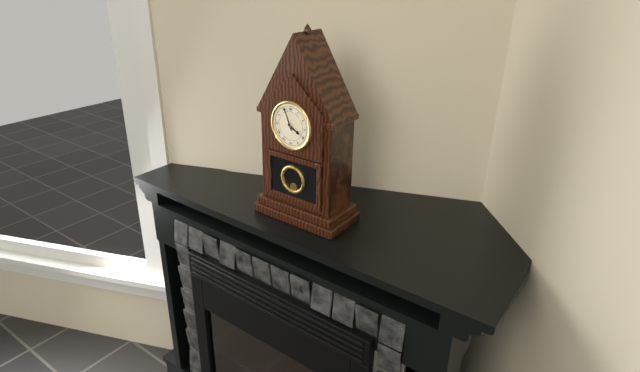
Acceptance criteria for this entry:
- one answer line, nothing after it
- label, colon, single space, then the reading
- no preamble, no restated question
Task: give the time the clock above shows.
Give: 3:56
